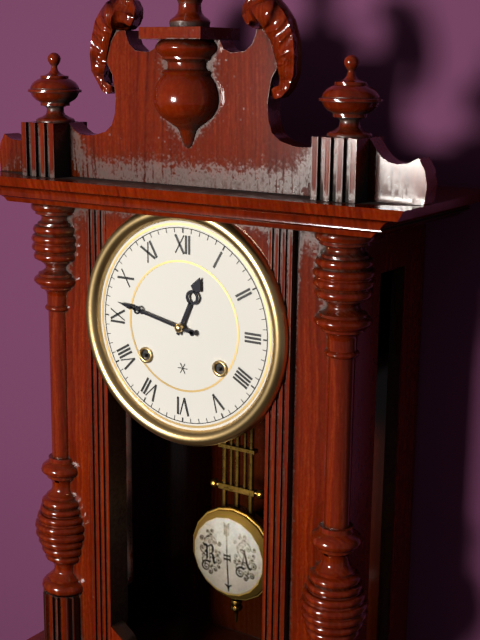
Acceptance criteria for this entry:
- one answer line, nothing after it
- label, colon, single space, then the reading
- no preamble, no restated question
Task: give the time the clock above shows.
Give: 12:47
